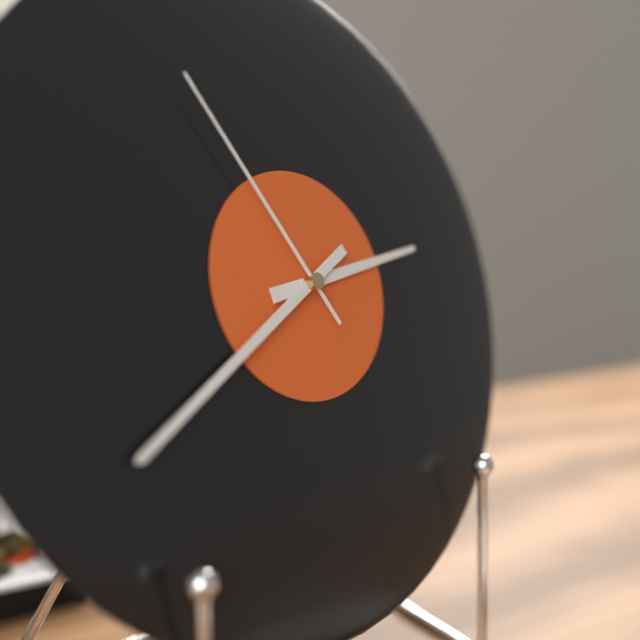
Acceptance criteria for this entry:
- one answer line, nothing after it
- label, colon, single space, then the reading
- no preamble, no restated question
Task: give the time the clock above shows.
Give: 2:40:55
